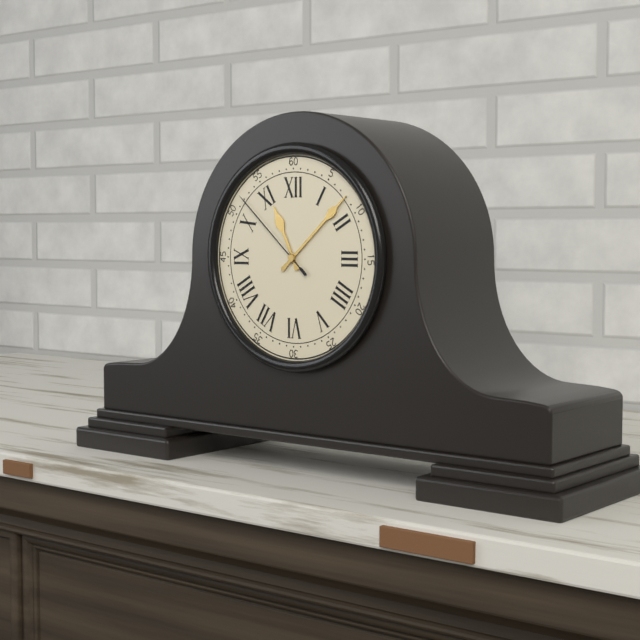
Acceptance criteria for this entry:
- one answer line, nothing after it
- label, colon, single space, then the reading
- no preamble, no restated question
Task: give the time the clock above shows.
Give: 11:08:52
